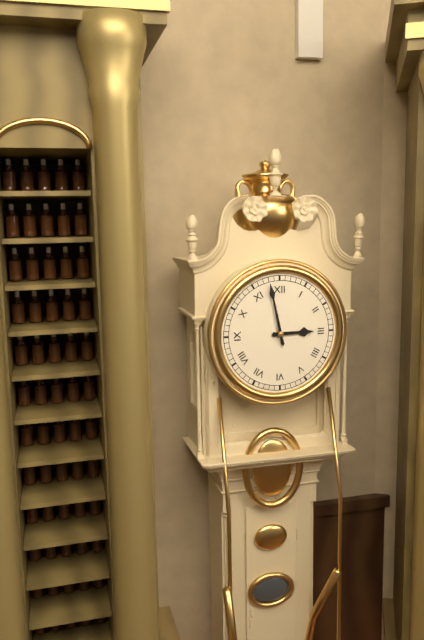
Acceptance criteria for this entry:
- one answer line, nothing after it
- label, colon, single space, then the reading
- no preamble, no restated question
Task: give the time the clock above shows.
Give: 2:58
